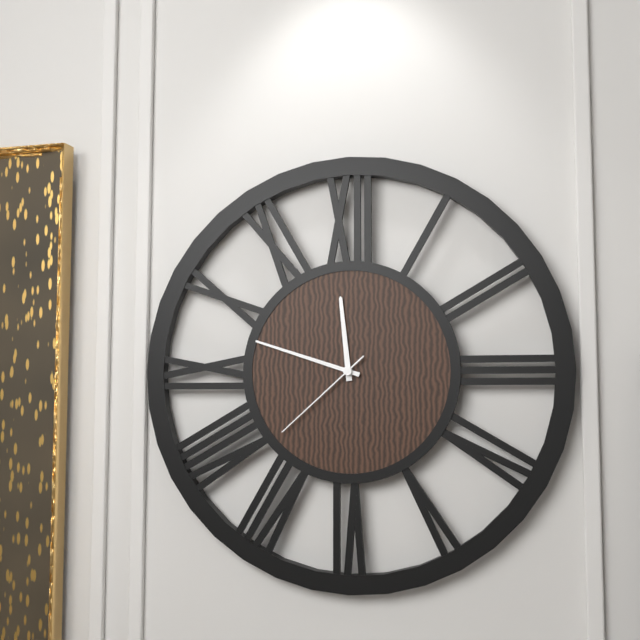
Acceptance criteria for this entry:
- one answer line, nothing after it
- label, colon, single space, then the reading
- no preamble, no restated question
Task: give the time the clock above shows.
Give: 11:48:38
